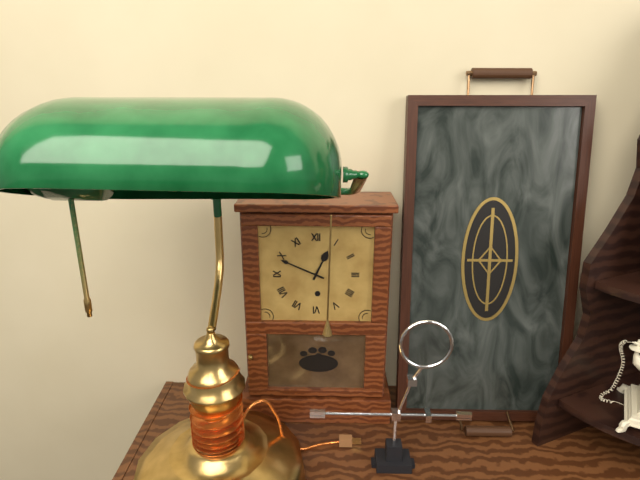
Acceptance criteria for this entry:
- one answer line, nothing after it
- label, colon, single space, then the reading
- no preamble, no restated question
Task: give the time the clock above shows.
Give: 12:49
